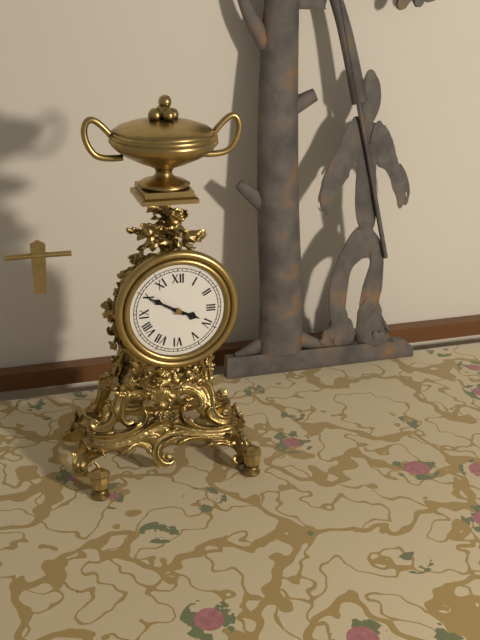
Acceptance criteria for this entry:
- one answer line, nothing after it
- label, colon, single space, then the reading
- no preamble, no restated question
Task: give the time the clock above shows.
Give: 3:50
